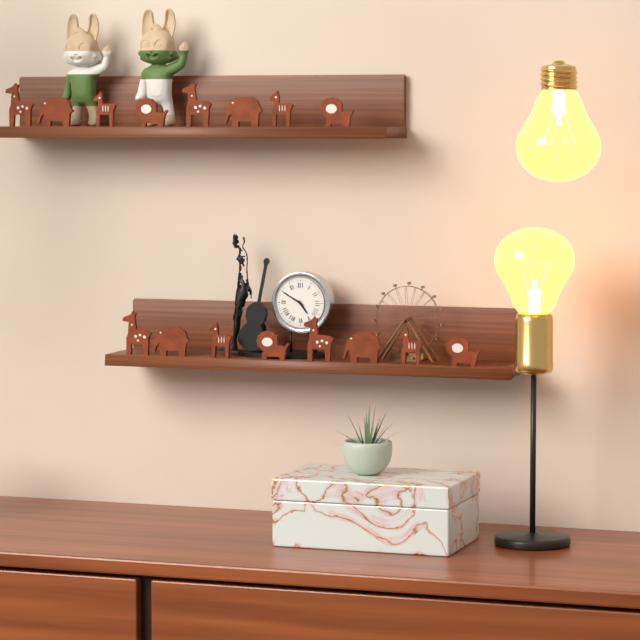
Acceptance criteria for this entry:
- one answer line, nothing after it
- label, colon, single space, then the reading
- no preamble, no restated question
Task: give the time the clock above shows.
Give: 4:50
